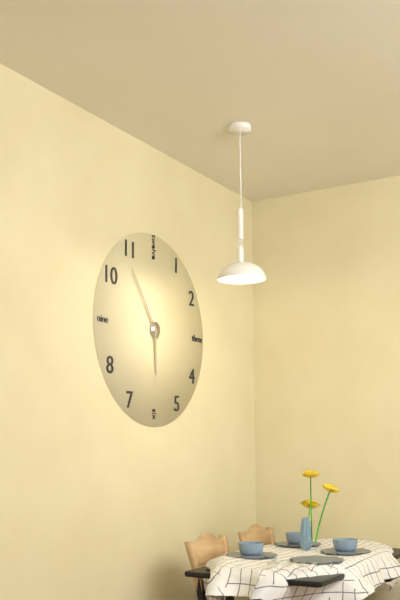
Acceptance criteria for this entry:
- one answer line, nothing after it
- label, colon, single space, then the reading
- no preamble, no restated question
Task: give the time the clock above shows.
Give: 5:54
